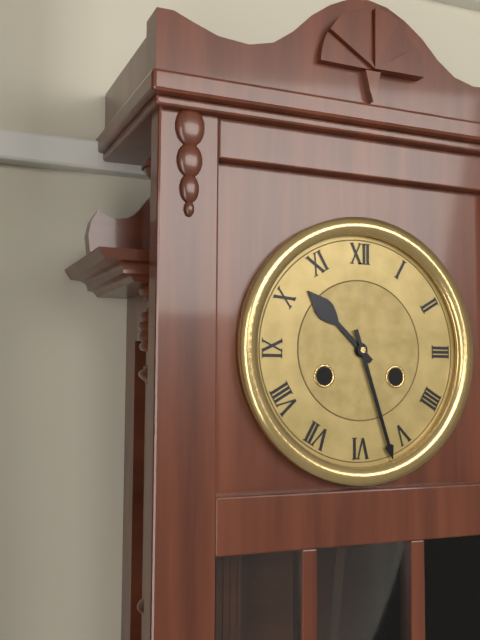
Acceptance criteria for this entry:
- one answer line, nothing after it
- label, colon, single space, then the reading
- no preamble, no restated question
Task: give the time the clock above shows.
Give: 10:27
